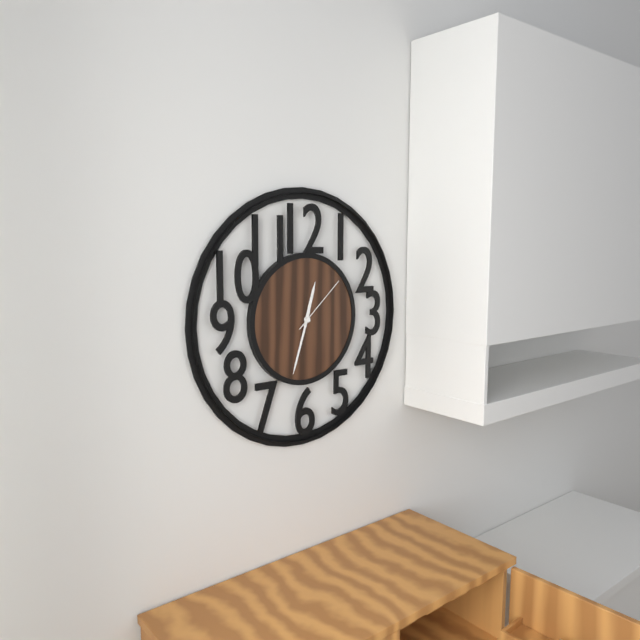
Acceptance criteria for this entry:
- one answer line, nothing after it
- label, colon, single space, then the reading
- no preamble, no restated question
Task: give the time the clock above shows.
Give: 12:33:08
